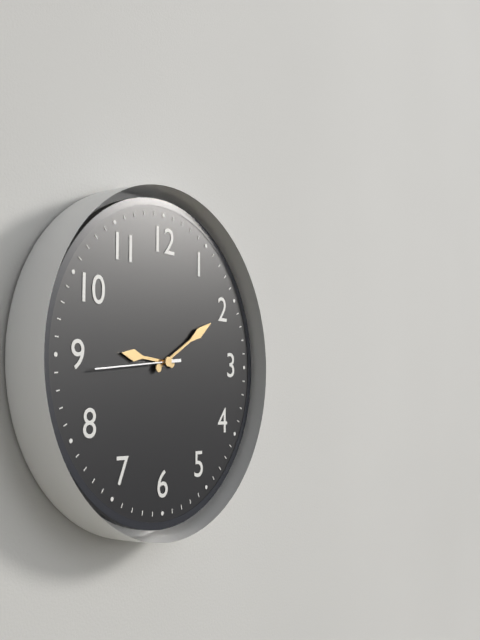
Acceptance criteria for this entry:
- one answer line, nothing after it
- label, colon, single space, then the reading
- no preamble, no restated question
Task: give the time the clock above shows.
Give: 9:10:44
